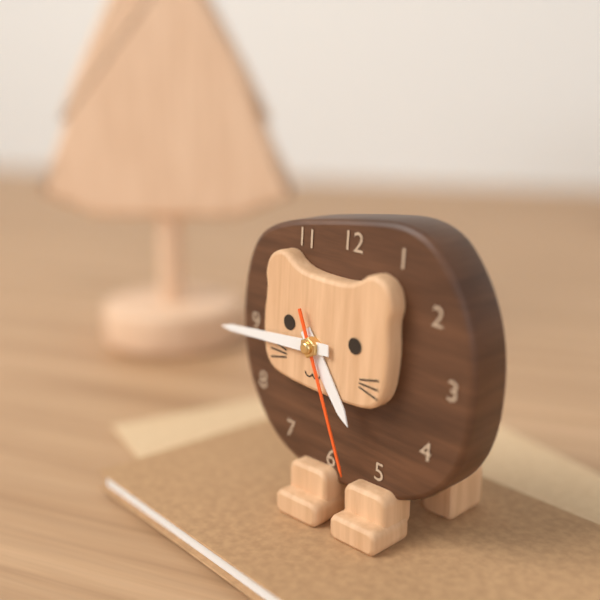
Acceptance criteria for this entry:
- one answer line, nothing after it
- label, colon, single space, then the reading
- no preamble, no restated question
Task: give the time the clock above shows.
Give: 4:44:26
